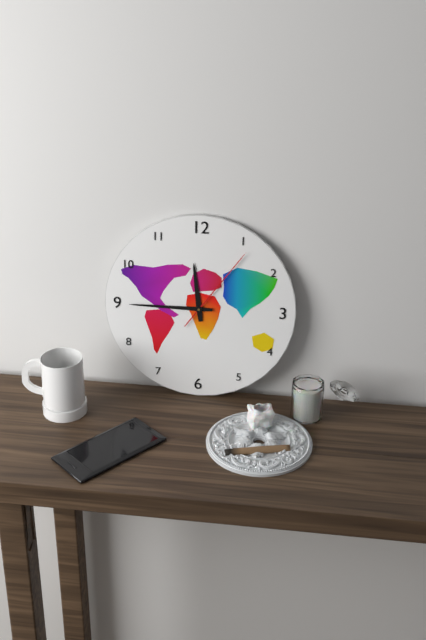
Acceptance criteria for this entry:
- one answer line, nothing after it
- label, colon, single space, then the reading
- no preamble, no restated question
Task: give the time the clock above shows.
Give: 11:45:06
